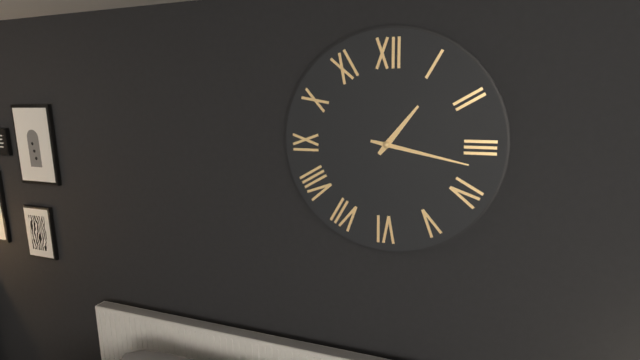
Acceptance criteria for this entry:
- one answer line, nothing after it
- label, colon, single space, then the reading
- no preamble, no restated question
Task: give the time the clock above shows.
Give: 1:17
